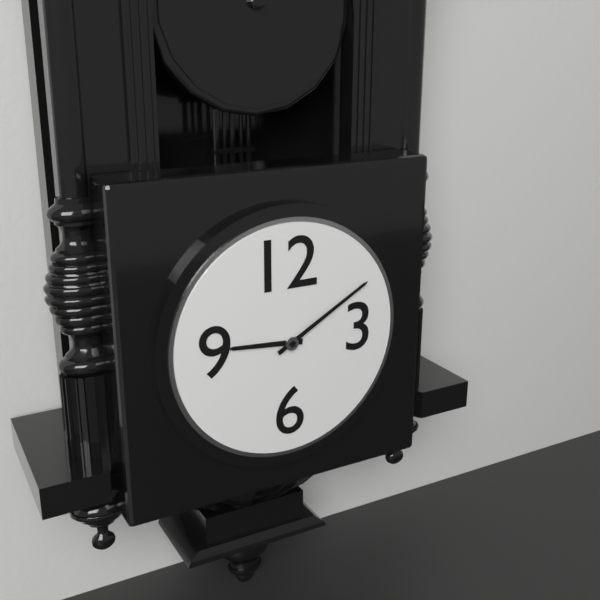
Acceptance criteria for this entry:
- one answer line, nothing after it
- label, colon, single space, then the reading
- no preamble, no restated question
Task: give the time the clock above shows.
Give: 9:10
